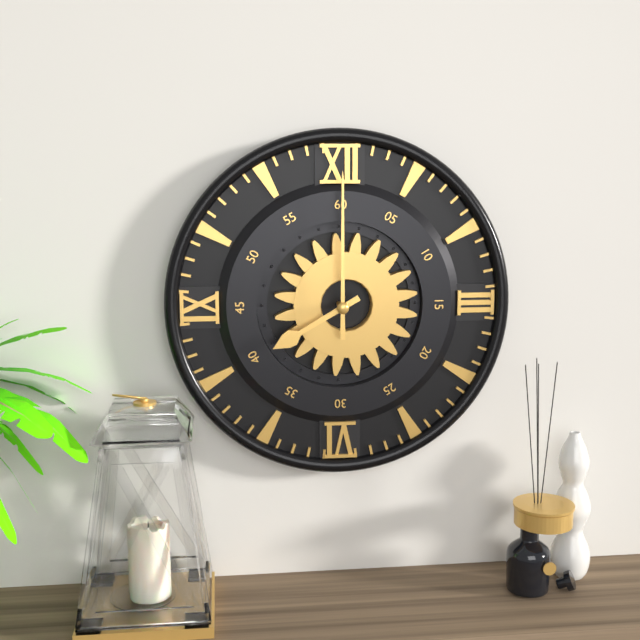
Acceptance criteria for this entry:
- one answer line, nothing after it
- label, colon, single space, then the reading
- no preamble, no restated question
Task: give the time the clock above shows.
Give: 8:00
